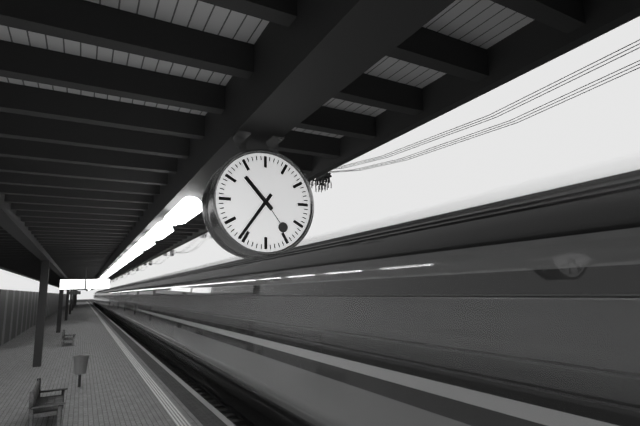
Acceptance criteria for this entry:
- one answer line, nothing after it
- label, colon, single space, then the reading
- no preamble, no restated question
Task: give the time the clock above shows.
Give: 10:36
